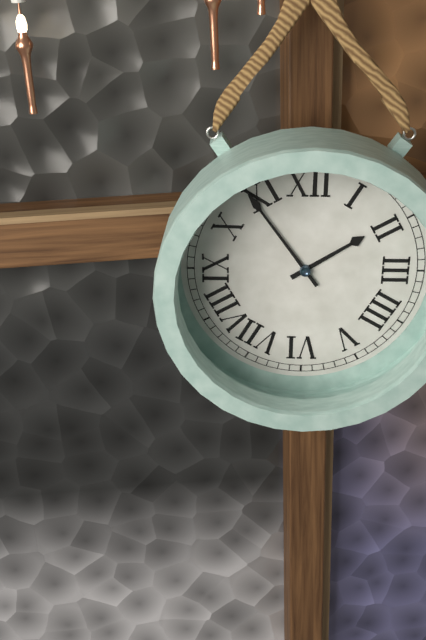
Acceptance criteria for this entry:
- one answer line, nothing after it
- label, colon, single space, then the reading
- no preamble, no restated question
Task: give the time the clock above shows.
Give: 1:54
